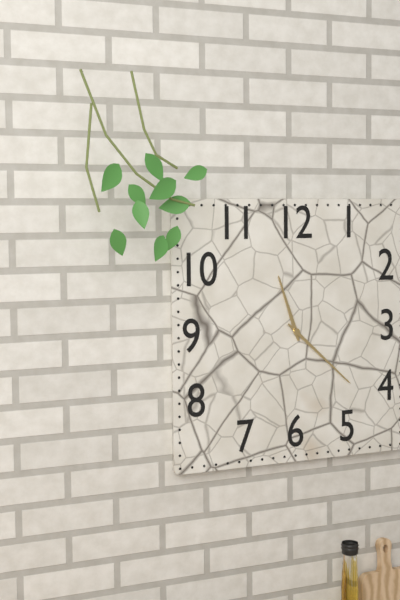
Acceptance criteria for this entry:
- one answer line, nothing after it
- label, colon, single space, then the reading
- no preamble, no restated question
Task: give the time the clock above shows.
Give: 11:22
